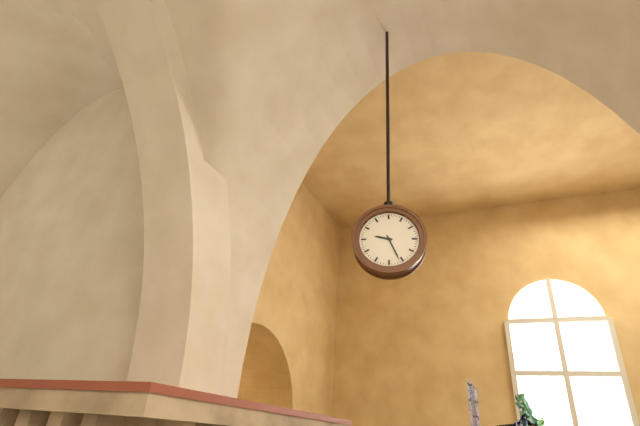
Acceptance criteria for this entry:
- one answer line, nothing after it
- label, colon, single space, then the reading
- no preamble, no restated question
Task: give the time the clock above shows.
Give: 9:26
